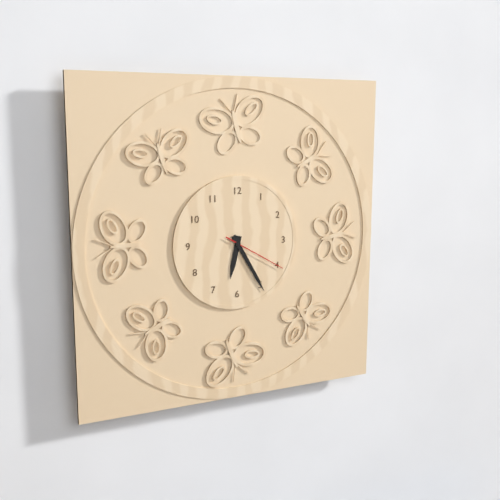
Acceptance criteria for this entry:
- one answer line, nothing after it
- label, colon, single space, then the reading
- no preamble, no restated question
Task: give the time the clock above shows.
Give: 6:25:20
